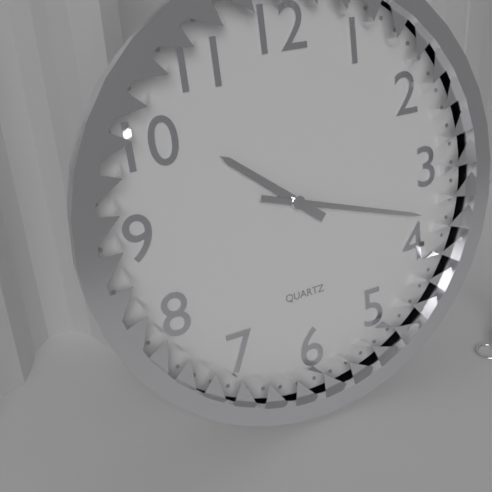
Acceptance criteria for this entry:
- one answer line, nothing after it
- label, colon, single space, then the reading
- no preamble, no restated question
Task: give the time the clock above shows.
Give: 10:18
